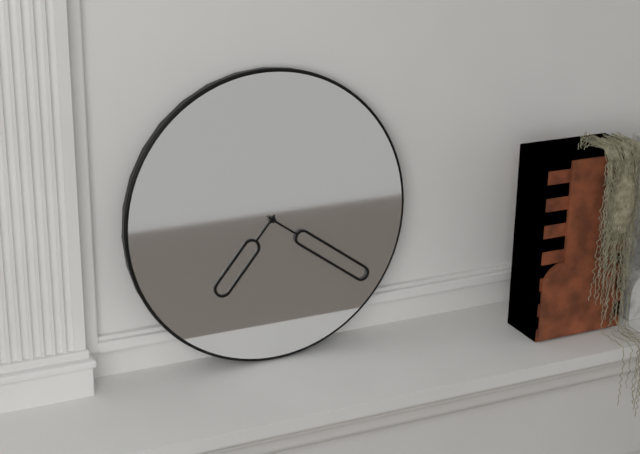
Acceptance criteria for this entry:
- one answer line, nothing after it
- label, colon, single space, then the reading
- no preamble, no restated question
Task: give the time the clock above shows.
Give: 7:21
